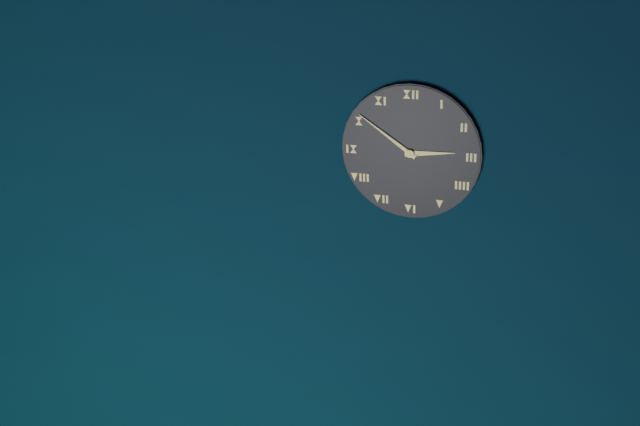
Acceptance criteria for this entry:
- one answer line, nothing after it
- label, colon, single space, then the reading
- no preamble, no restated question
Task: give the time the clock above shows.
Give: 2:51
